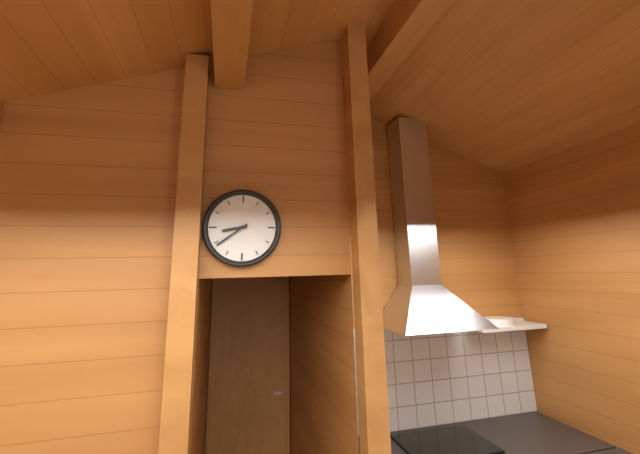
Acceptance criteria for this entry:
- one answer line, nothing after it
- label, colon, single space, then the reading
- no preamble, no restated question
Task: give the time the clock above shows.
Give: 8:39
